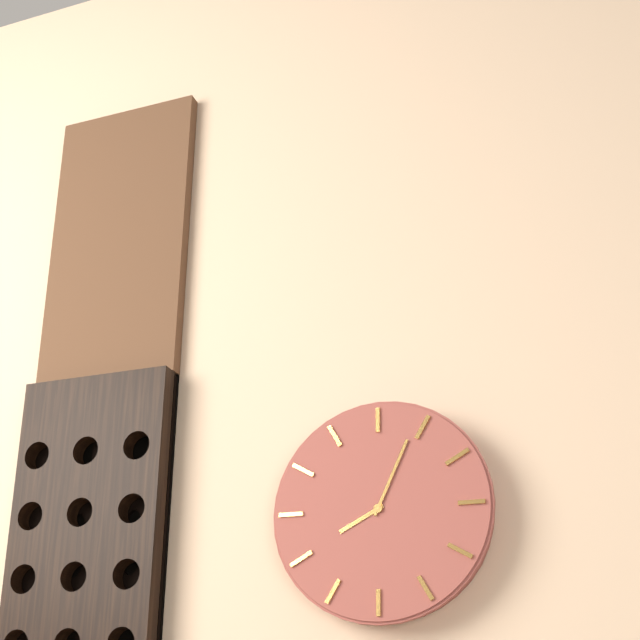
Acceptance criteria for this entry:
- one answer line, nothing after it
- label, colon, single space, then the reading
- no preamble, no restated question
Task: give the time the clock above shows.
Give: 8:04
